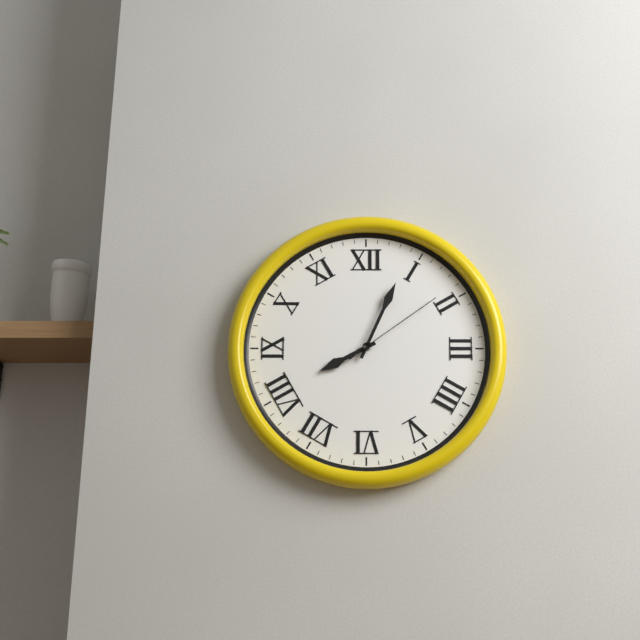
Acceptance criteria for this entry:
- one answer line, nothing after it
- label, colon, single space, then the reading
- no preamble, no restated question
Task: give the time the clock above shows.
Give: 8:04:09
